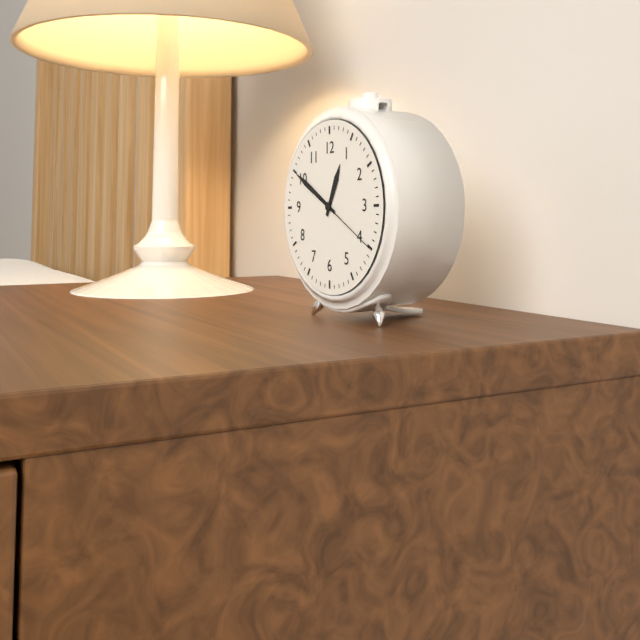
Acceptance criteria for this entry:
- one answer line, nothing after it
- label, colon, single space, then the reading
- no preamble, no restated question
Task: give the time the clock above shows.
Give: 12:50:20
